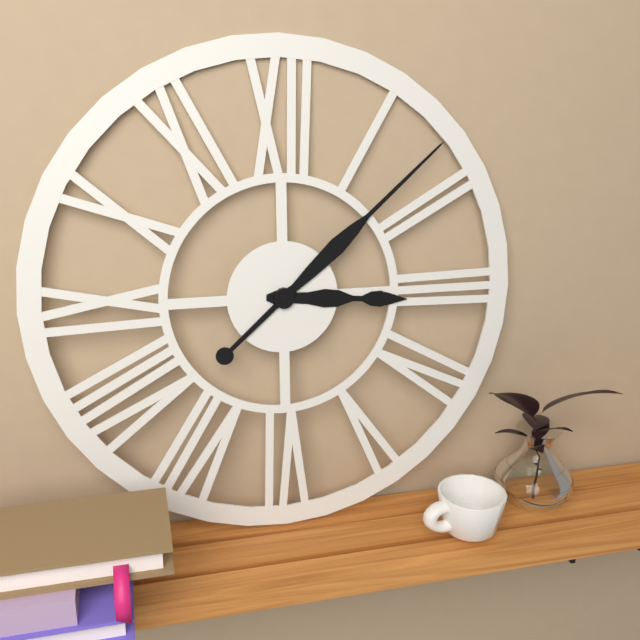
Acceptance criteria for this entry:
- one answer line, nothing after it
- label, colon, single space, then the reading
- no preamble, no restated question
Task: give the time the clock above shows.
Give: 3:08
